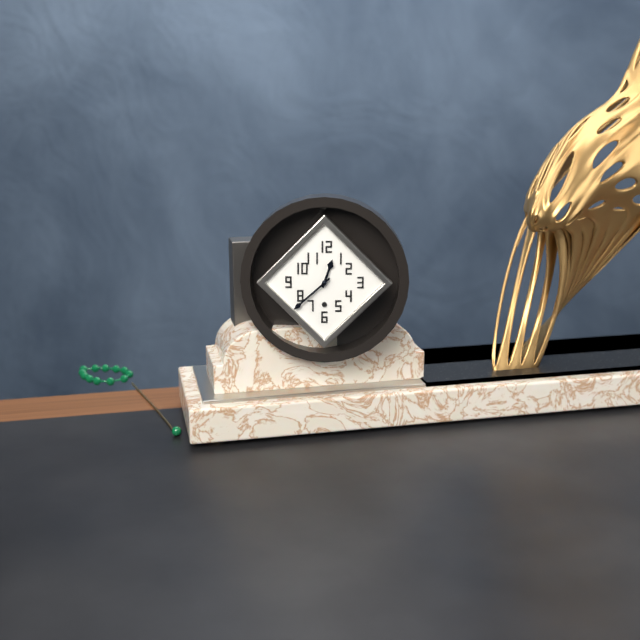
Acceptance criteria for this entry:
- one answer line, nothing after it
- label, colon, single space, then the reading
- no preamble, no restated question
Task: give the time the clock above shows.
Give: 12:38
